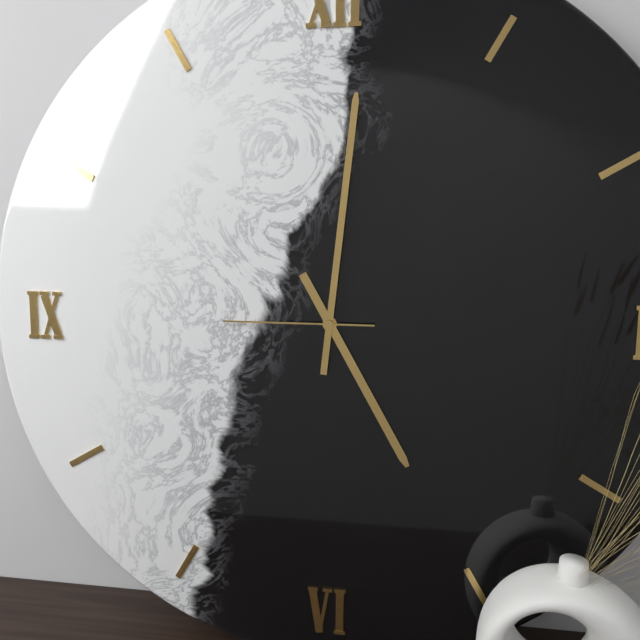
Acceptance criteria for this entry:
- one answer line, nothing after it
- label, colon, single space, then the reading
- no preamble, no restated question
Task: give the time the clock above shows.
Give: 5:01:45
